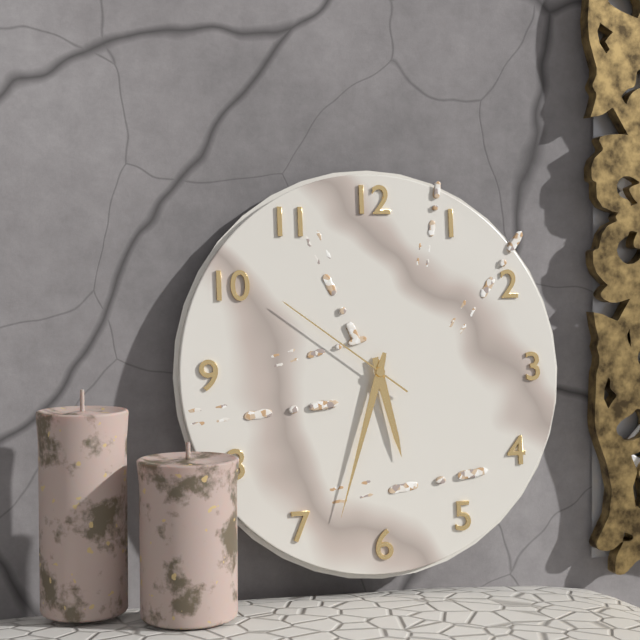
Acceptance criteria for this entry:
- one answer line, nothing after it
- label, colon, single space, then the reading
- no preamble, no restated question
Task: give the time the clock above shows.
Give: 5:33:51
